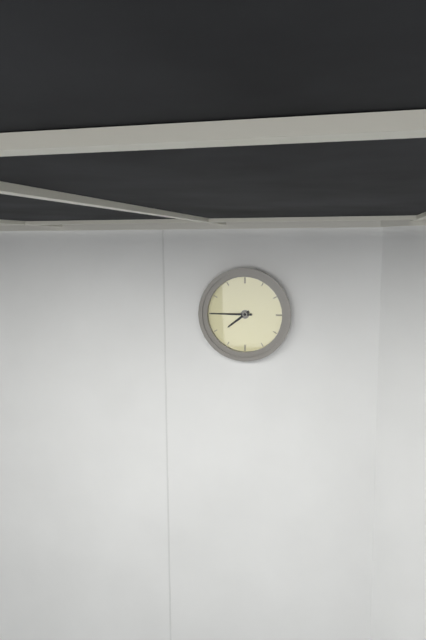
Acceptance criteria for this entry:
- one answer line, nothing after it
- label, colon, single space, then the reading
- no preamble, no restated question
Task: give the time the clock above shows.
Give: 7:45
